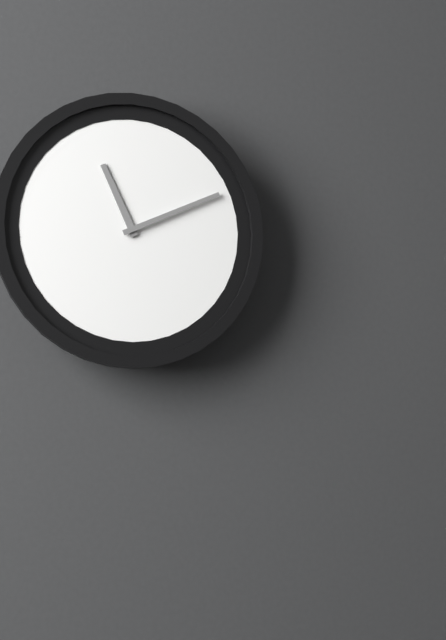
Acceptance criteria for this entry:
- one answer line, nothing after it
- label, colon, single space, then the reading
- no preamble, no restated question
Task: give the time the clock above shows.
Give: 11:11
